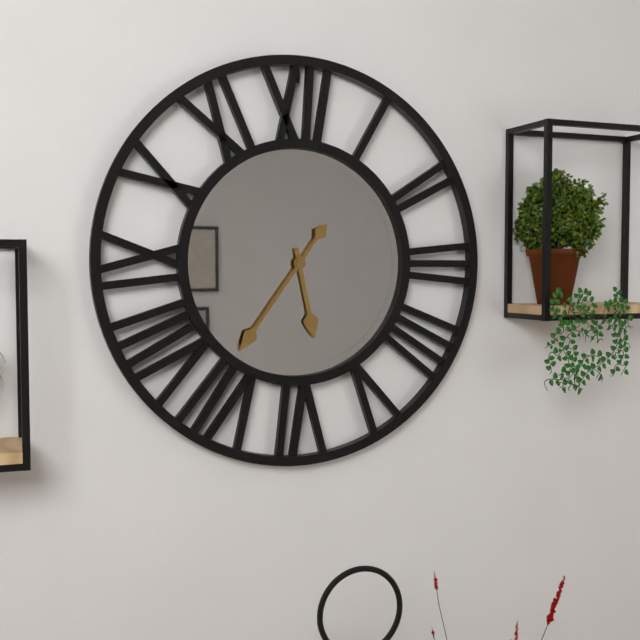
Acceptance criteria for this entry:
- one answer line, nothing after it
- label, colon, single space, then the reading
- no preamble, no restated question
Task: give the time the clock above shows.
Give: 5:36
